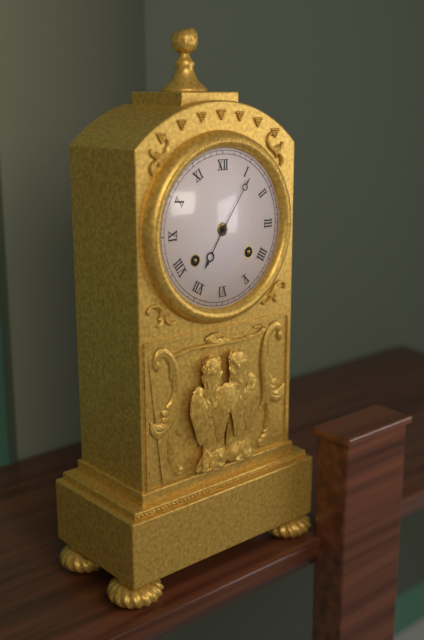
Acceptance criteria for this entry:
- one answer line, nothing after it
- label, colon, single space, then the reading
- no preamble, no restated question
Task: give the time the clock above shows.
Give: 7:06
